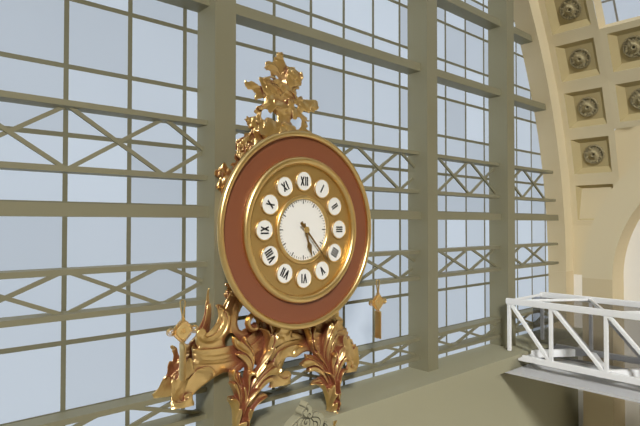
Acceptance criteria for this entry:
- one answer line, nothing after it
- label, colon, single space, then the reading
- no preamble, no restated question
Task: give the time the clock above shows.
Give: 5:23
